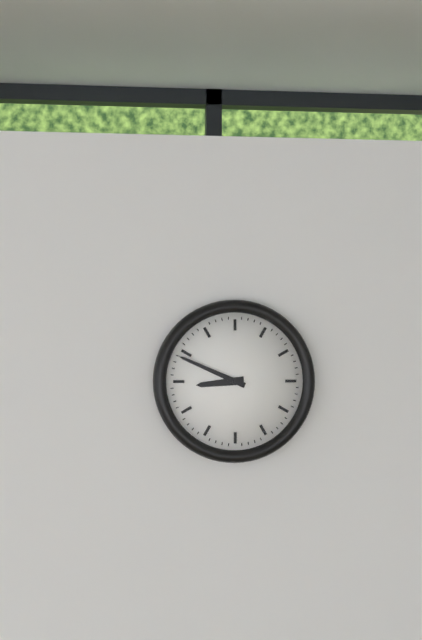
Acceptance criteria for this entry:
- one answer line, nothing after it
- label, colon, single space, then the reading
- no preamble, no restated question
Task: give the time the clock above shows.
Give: 8:49
